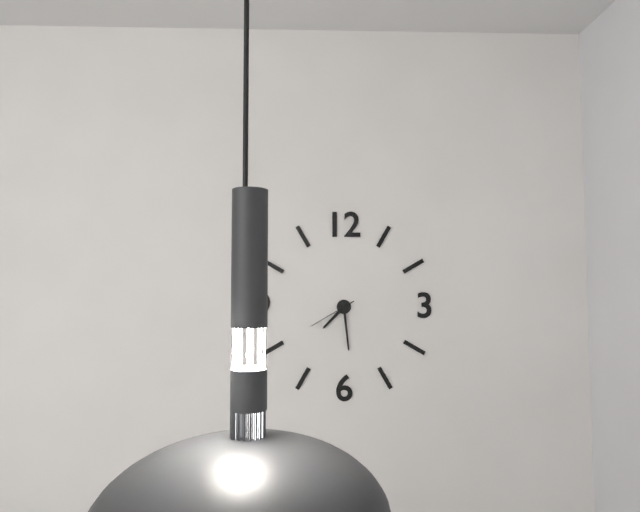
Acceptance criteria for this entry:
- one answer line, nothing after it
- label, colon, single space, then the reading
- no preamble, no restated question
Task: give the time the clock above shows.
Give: 7:29
